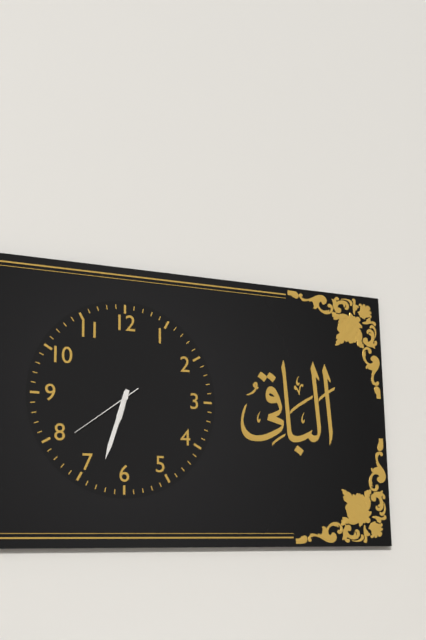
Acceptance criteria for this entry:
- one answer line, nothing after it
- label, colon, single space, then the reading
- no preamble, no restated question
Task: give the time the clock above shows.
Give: 6:33:39
